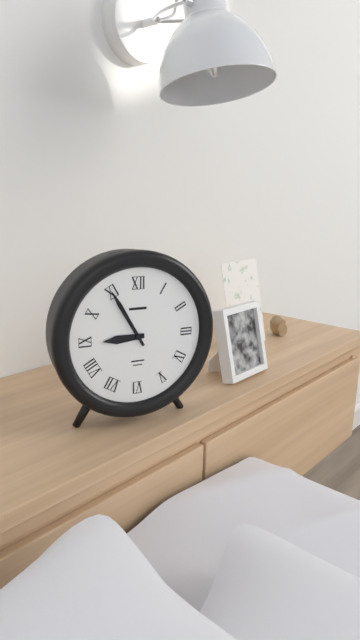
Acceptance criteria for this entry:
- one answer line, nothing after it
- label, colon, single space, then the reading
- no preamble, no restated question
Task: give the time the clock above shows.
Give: 8:55
